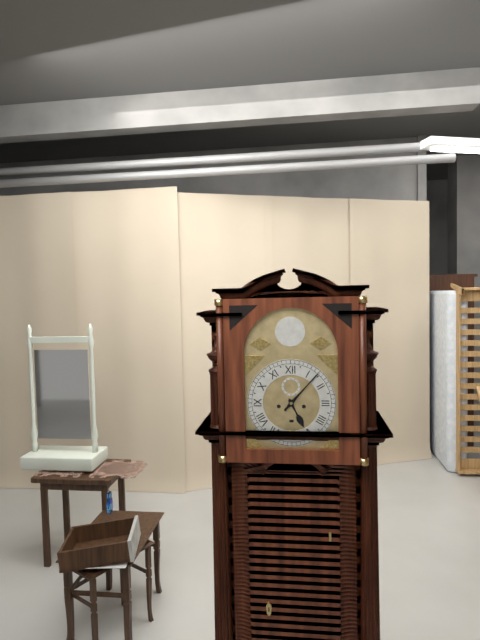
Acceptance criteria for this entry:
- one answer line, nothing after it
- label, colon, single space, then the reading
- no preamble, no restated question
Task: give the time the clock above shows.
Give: 5:07
